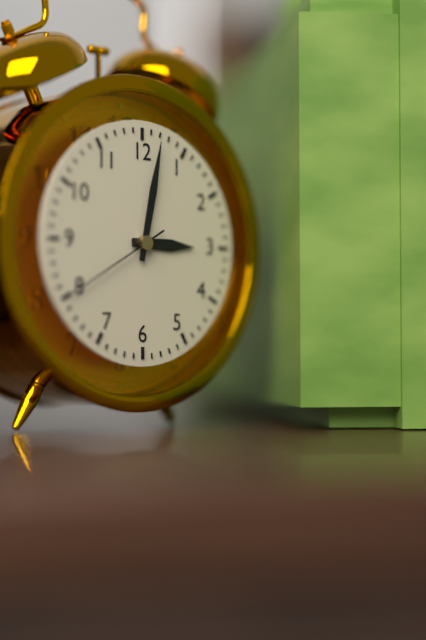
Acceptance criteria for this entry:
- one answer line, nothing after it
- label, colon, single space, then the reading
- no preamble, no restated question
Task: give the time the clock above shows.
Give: 3:02:40
